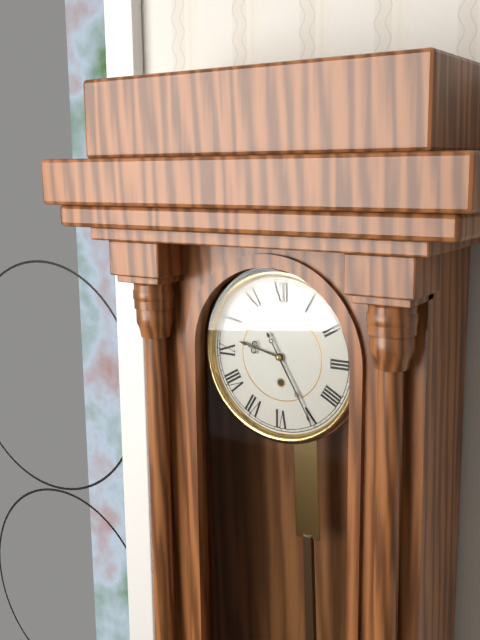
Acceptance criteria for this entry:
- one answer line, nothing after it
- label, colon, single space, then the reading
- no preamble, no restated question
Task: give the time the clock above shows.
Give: 9:25
